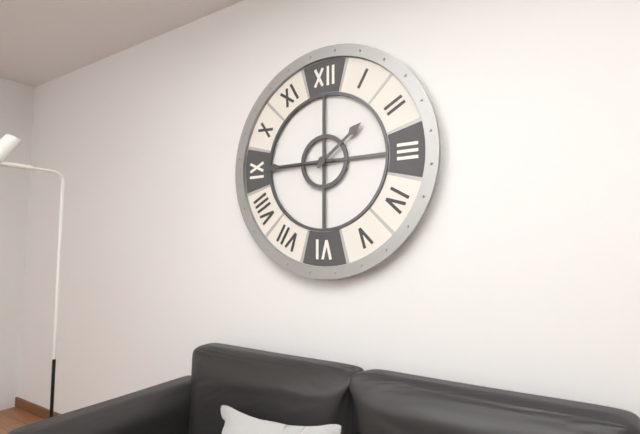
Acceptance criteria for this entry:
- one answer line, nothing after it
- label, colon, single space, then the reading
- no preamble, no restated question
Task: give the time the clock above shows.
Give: 1:45
